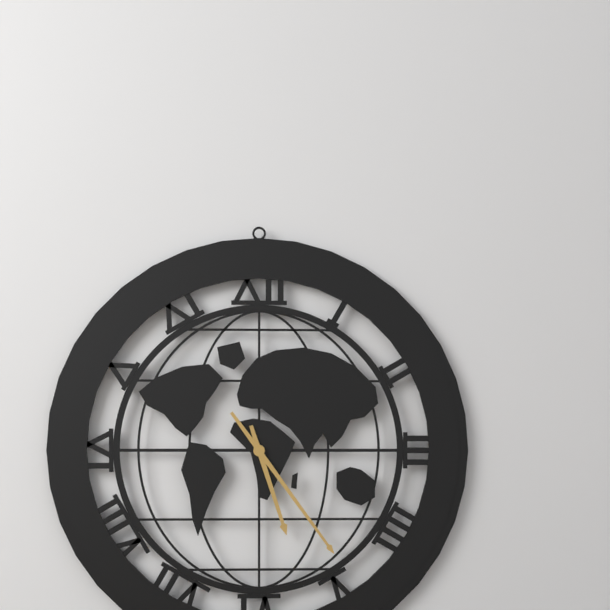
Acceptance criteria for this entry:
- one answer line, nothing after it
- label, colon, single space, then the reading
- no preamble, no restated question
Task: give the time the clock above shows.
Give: 5:24
